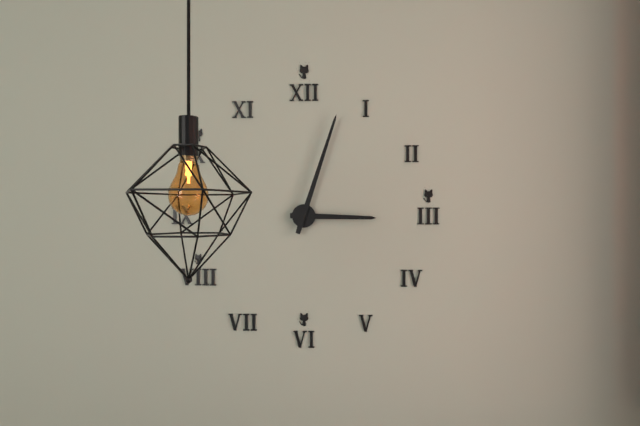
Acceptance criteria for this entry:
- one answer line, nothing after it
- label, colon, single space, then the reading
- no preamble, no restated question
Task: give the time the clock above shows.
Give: 3:03
